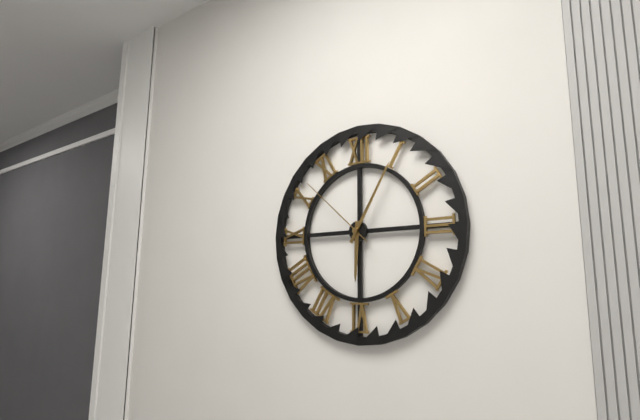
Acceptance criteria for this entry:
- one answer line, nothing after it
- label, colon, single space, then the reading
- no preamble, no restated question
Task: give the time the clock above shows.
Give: 6:05:52
